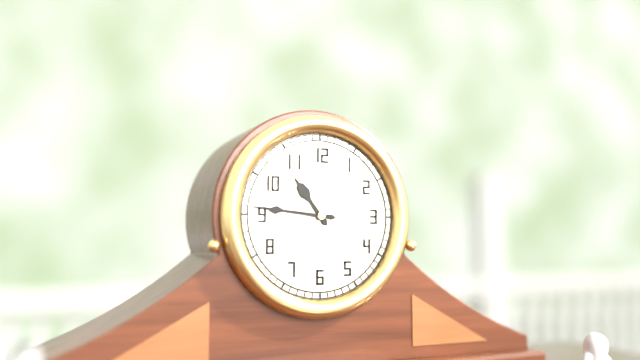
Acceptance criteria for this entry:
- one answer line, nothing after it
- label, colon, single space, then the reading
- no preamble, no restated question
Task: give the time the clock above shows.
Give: 10:46
